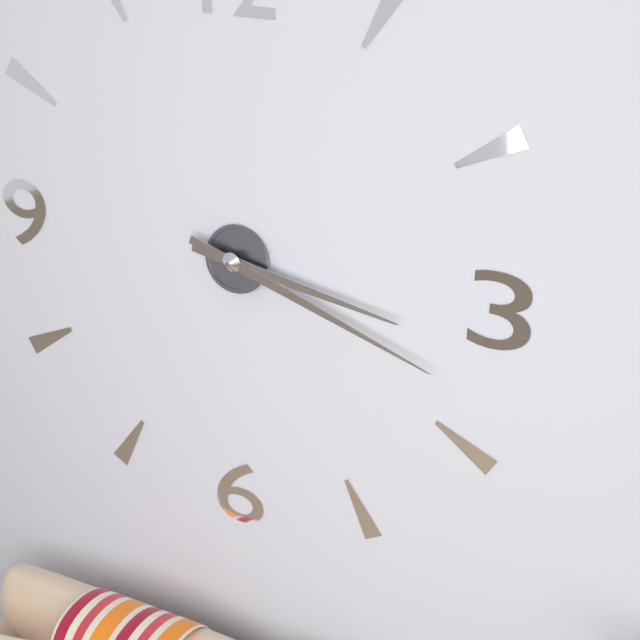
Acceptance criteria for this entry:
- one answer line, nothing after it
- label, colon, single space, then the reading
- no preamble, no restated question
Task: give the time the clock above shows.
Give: 3:18
